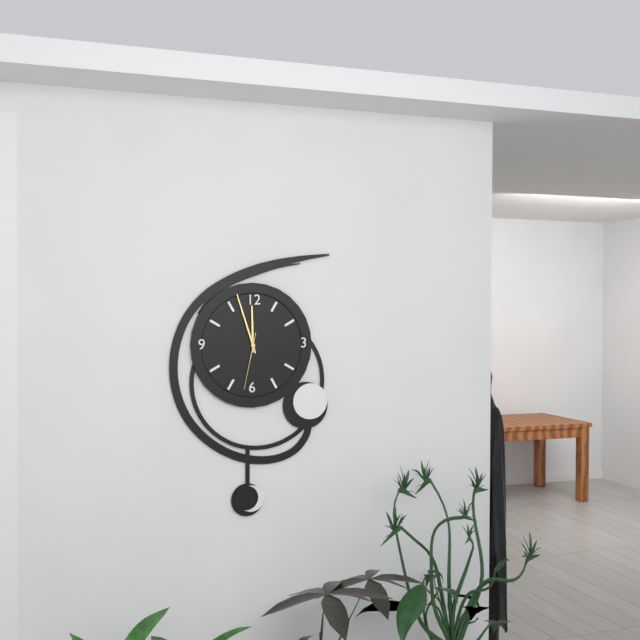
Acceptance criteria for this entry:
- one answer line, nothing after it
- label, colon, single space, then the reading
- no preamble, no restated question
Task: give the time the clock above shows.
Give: 11:57:32
